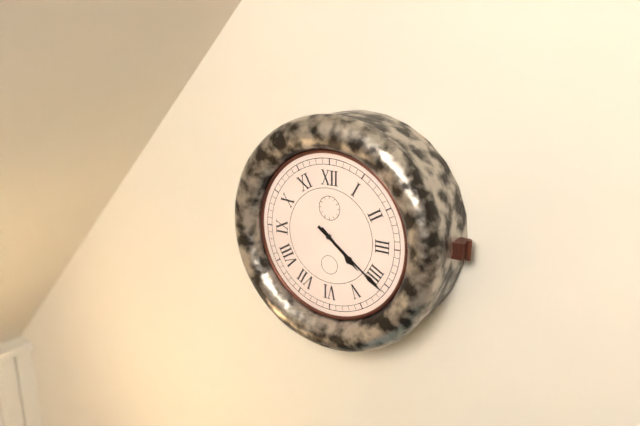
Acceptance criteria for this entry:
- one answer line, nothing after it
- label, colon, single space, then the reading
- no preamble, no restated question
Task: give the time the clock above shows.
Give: 4:21
